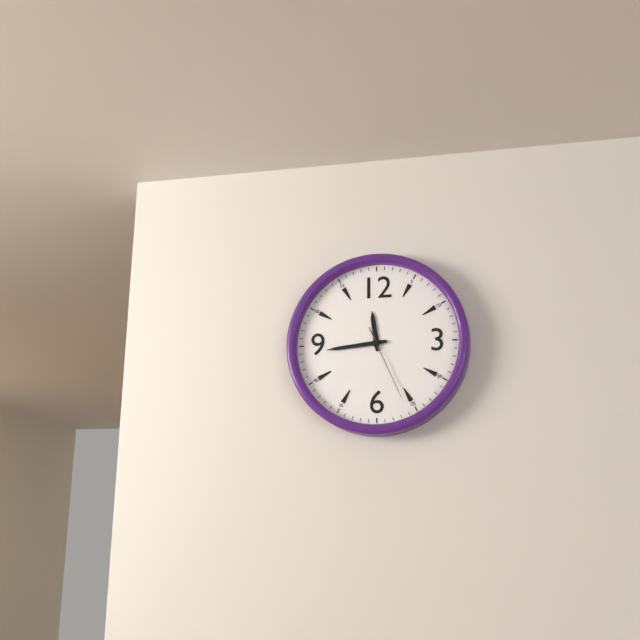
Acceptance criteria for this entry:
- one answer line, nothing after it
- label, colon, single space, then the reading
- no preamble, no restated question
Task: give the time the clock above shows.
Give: 11:44:26
